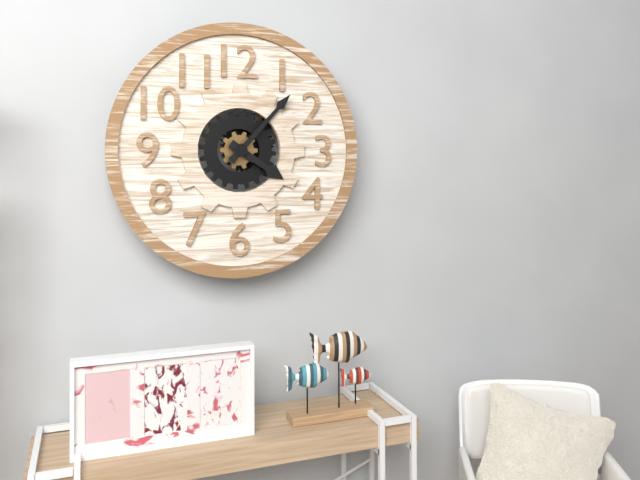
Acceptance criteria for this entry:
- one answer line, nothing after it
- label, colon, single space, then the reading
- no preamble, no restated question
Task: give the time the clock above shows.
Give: 4:07
